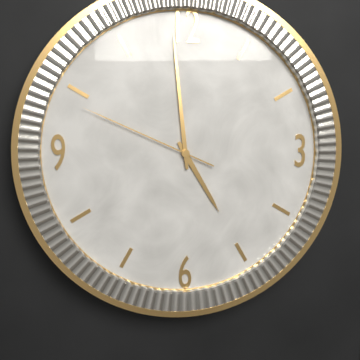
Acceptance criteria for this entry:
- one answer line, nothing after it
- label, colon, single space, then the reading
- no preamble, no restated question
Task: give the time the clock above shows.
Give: 4:59:49
